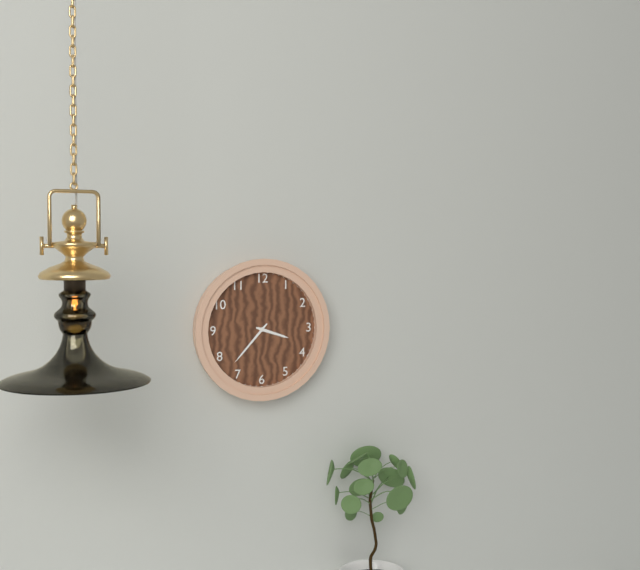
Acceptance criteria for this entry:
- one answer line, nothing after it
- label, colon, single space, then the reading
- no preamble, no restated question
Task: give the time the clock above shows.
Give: 3:37
